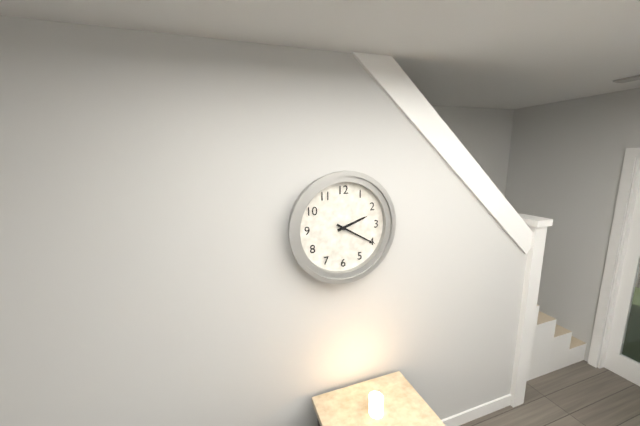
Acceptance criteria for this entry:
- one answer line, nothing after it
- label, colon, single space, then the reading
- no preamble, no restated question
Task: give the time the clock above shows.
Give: 2:20
